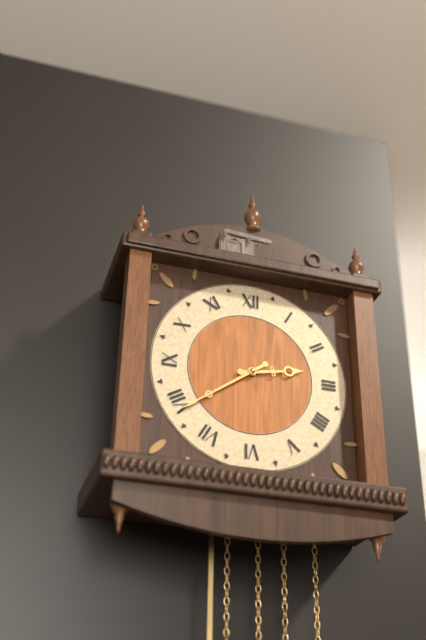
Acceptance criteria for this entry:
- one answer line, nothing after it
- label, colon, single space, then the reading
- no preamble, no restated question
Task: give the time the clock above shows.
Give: 2:39
